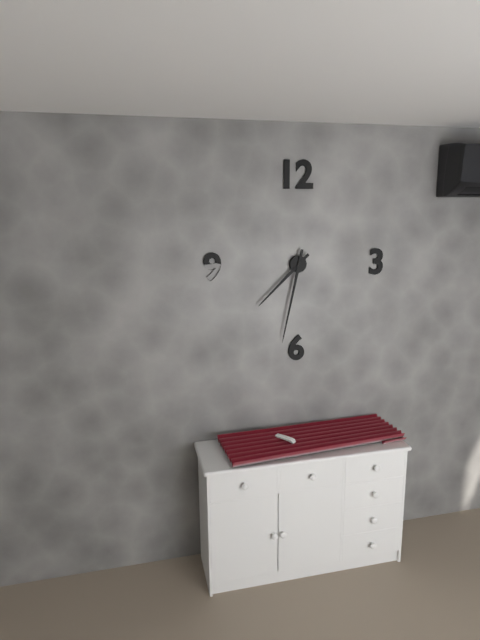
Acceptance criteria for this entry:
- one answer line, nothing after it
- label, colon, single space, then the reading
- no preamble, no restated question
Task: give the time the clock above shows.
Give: 7:32
